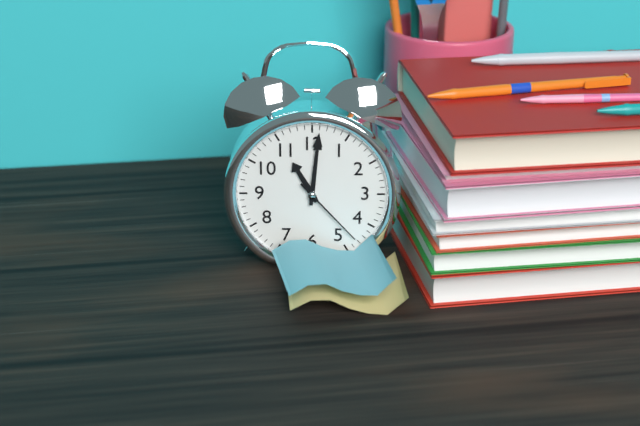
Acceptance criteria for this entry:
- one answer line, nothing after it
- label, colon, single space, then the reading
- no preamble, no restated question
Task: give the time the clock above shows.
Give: 11:01:23
